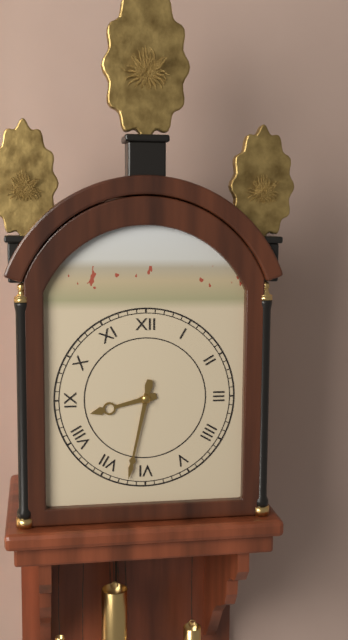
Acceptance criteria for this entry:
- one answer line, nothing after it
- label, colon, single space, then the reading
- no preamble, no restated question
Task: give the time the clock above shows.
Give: 8:32
